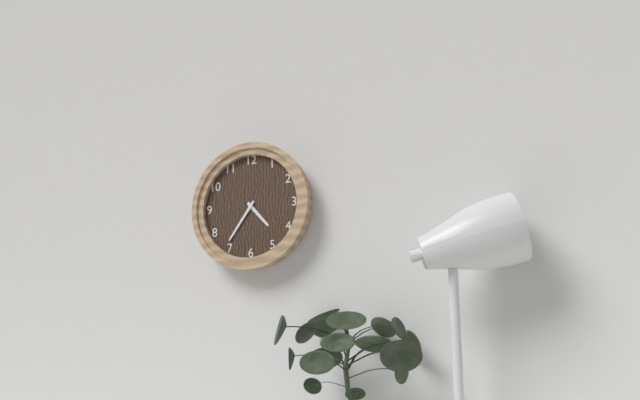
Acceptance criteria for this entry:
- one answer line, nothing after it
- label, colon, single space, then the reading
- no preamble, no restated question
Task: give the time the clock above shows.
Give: 4:36
